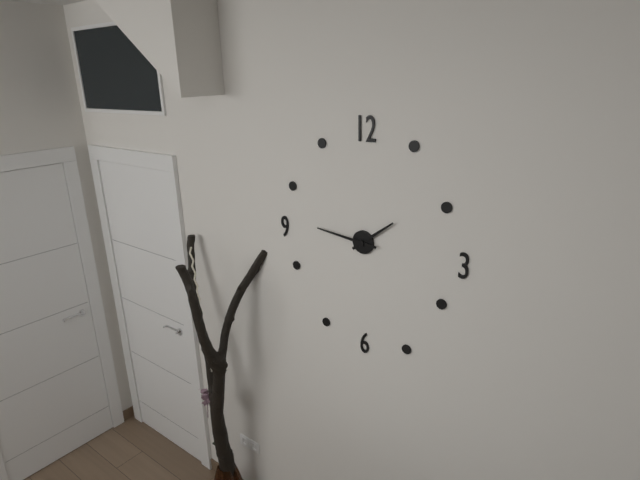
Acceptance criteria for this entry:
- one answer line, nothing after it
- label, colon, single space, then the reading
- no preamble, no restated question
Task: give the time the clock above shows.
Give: 1:46
